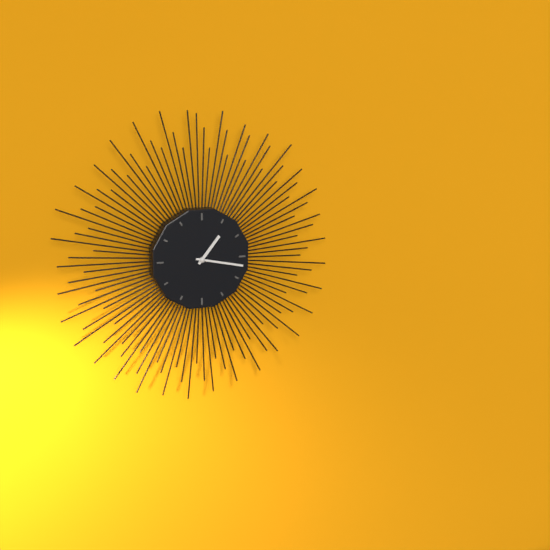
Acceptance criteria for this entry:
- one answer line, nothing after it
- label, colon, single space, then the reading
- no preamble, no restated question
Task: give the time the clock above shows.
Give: 1:17
